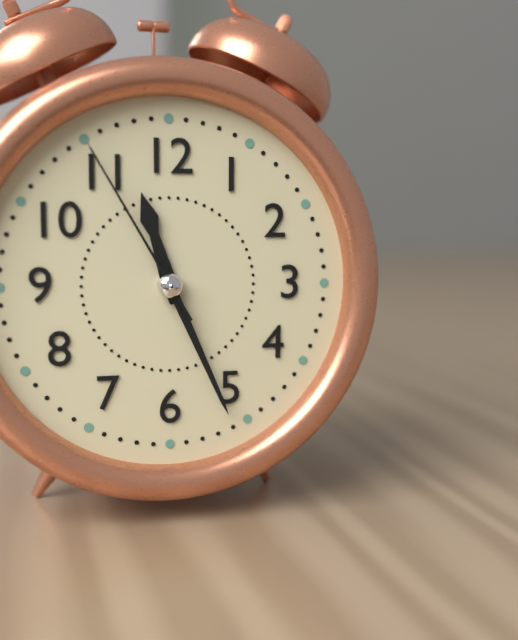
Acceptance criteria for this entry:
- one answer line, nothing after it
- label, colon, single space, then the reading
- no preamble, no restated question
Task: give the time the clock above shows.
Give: 11:26:55
